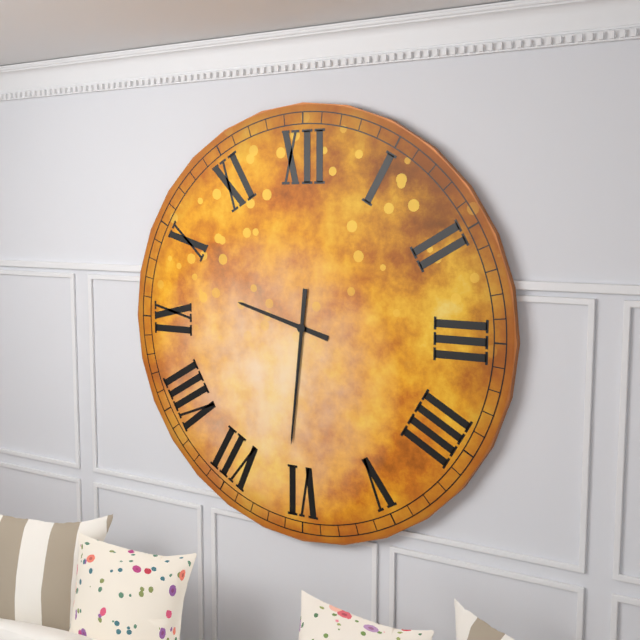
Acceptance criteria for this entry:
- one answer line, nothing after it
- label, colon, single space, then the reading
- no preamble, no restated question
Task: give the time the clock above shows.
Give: 9:31
